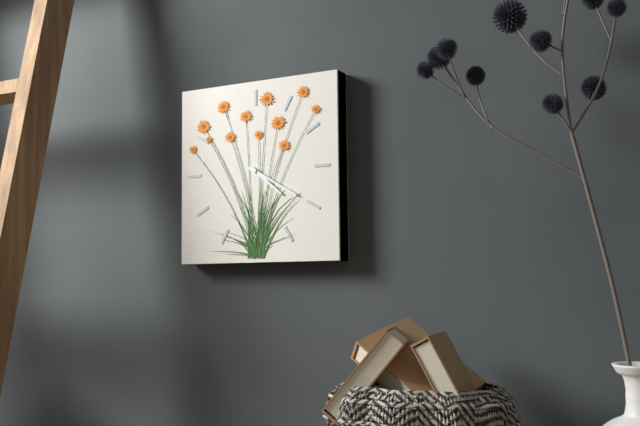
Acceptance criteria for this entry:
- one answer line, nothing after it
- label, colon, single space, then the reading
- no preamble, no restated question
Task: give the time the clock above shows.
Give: 4:20
